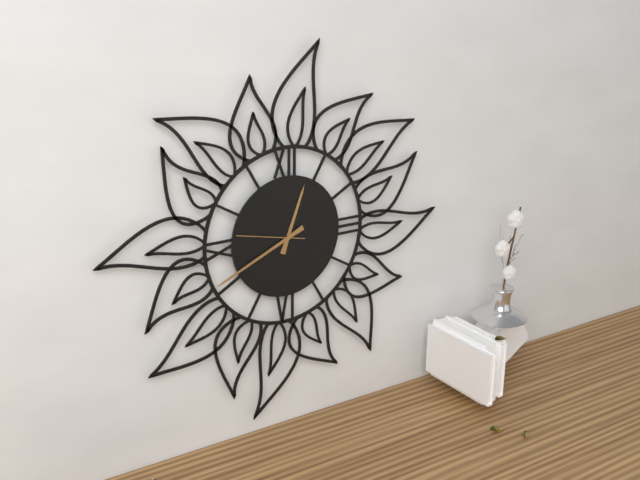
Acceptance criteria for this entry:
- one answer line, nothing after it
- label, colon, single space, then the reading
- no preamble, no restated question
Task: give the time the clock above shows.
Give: 12:41:47
